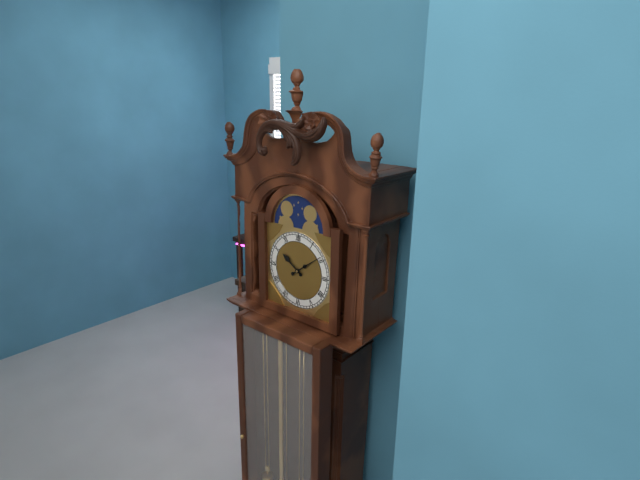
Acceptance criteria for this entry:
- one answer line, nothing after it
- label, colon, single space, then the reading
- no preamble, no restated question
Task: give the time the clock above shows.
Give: 10:09
